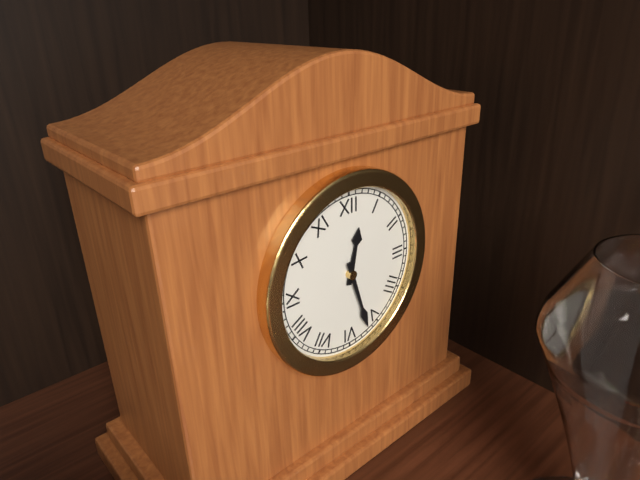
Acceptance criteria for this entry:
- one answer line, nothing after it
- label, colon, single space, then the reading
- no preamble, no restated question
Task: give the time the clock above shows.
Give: 12:27
